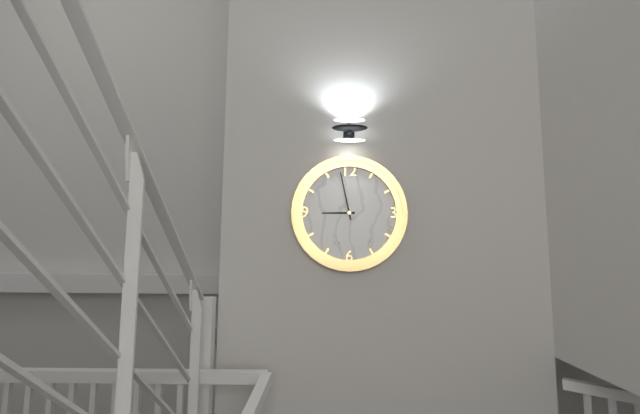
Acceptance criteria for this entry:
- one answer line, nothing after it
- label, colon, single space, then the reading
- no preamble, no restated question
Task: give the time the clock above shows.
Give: 8:58
